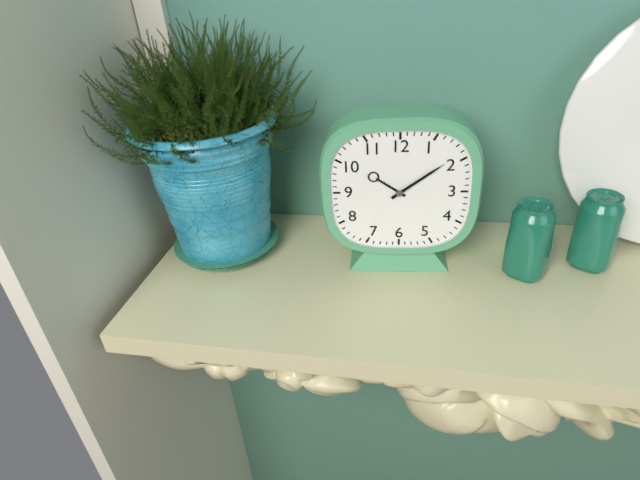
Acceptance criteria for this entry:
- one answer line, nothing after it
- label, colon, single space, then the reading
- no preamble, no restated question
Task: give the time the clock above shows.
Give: 10:09
